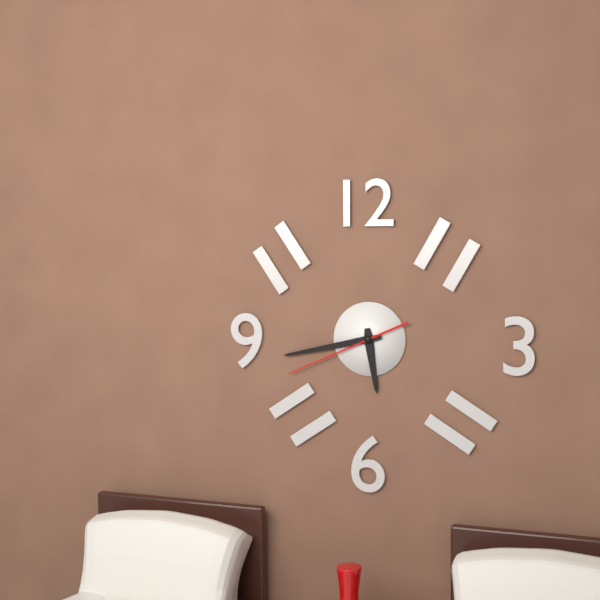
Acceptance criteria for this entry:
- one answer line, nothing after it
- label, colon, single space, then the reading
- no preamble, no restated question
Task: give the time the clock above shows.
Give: 5:43:41
